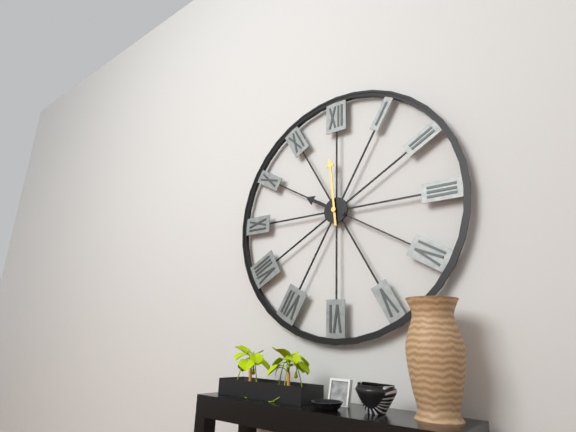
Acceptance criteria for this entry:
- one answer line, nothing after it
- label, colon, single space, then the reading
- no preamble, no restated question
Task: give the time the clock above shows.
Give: 9:59
